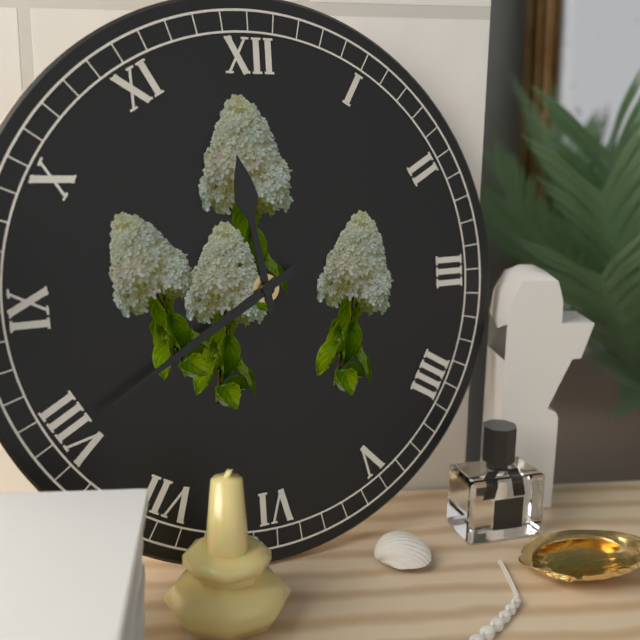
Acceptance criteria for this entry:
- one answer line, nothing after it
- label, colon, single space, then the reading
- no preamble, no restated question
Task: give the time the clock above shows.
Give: 11:40
